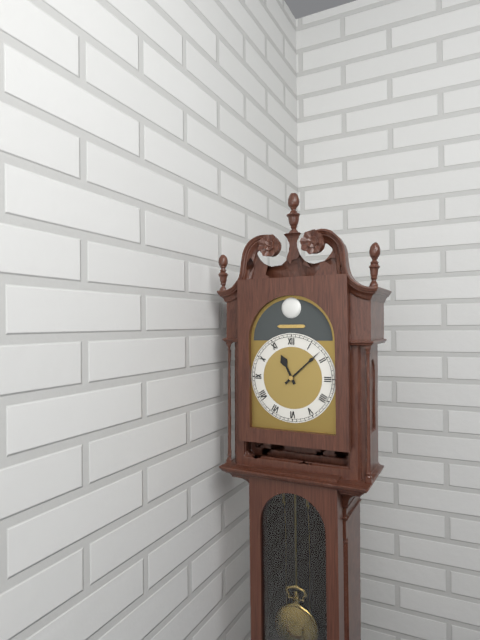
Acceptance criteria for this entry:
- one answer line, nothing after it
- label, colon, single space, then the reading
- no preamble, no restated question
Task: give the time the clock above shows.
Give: 11:08
